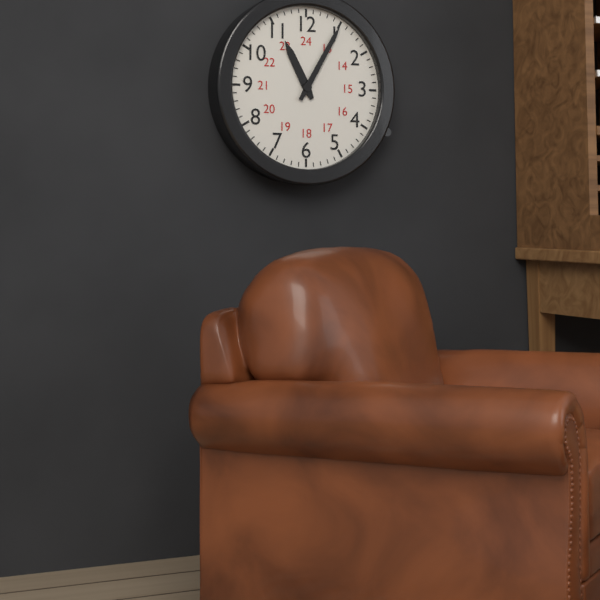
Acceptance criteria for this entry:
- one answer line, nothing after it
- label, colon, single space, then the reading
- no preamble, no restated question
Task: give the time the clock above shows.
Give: 11:05
